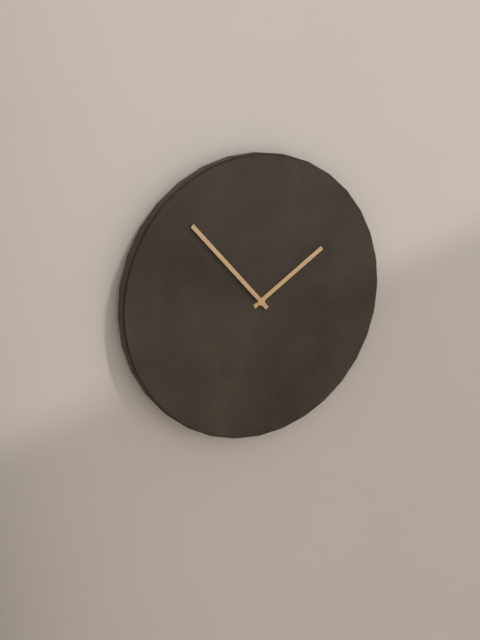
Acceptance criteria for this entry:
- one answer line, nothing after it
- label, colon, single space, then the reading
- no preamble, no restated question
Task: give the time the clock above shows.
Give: 1:53
